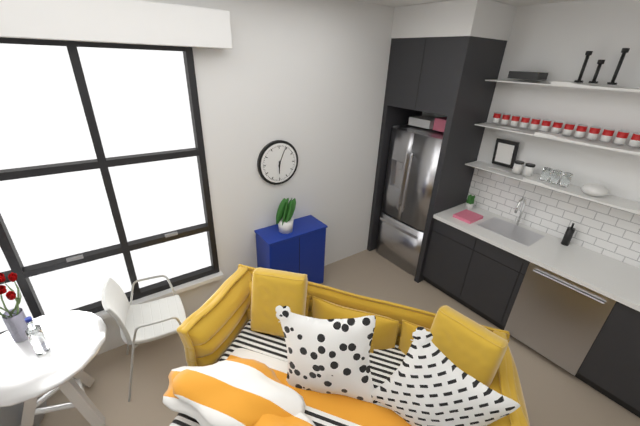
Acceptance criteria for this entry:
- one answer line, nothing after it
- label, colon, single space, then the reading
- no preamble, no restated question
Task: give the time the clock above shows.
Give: 6:04
